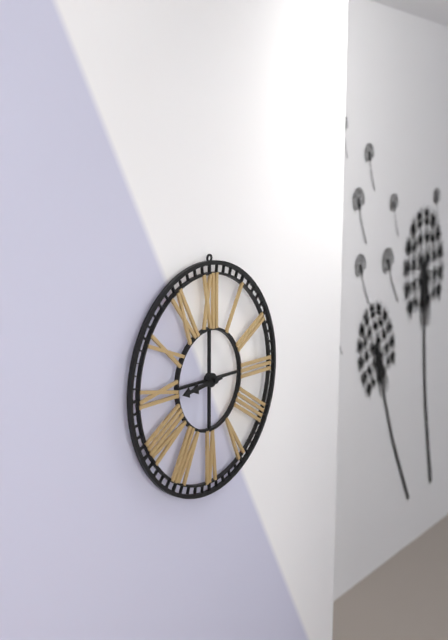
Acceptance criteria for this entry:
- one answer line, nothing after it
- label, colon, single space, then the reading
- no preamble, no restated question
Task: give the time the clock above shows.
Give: 8:44
